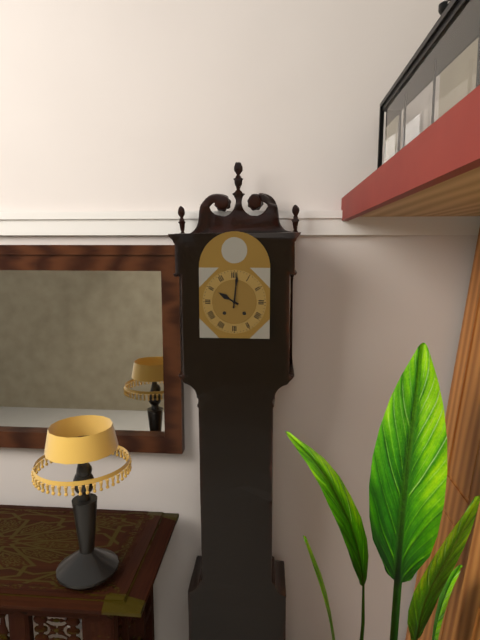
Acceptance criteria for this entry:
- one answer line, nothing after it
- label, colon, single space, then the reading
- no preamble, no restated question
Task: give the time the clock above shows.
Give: 10:01
